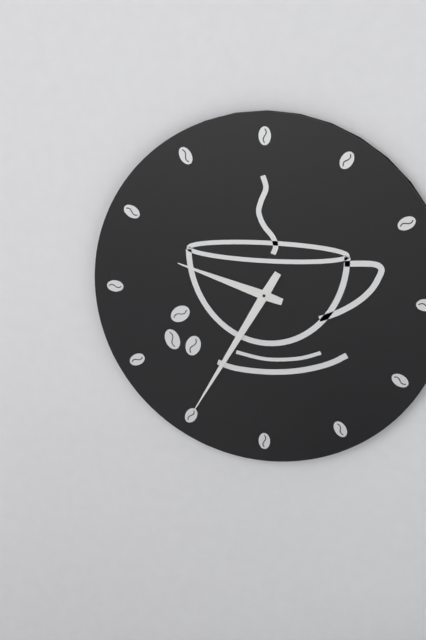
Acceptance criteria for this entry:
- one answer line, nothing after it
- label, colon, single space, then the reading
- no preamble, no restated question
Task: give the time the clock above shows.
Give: 9:35
